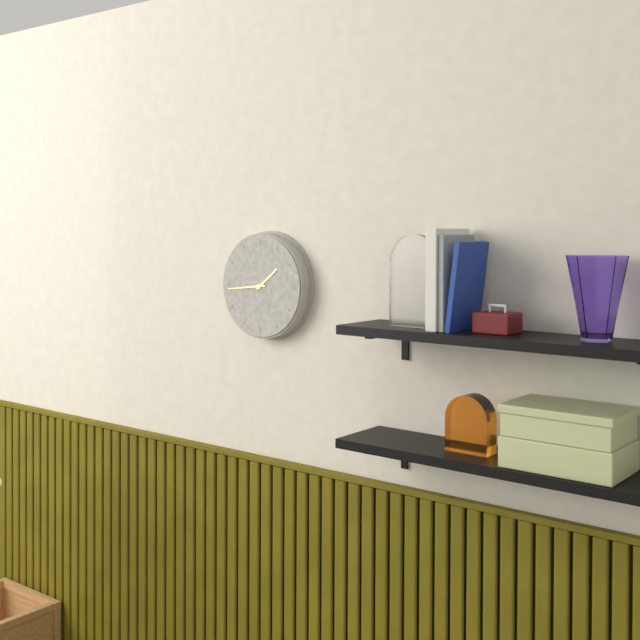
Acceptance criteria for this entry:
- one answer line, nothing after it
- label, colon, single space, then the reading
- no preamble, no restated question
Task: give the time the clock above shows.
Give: 1:44
